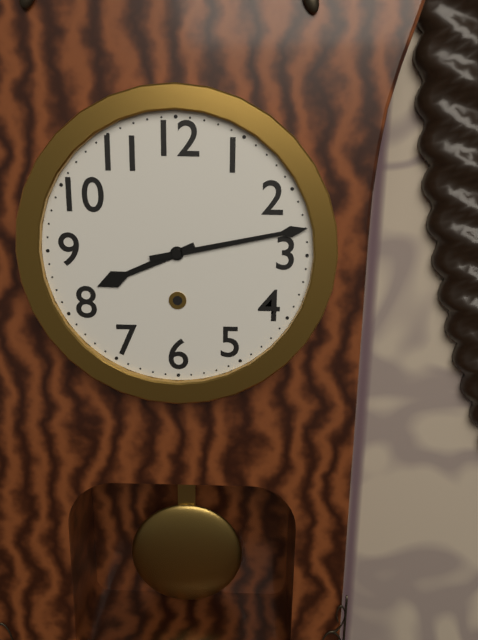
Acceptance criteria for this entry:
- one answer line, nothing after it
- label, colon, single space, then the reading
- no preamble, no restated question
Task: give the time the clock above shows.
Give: 8:13
